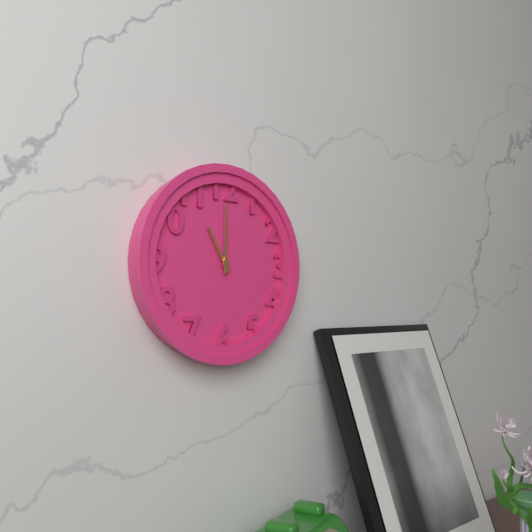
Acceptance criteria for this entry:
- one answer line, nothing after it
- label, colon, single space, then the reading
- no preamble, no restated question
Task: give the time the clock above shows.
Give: 11:00
